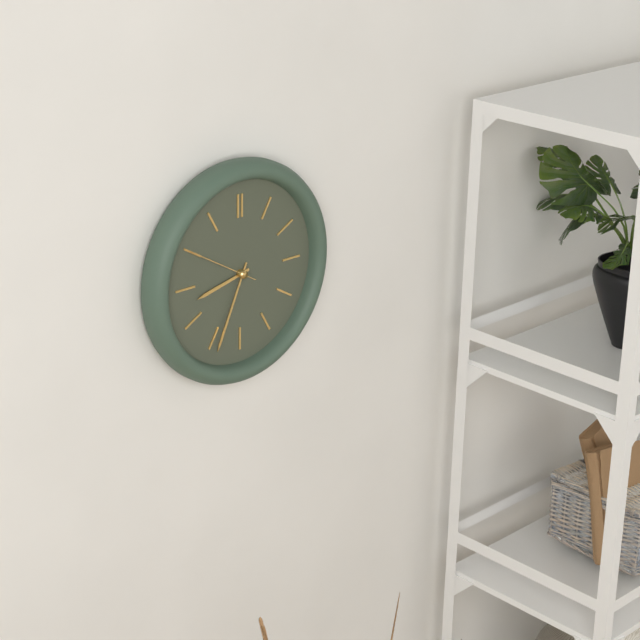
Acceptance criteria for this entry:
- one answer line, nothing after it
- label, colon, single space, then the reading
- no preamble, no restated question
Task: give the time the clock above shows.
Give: 8:34
